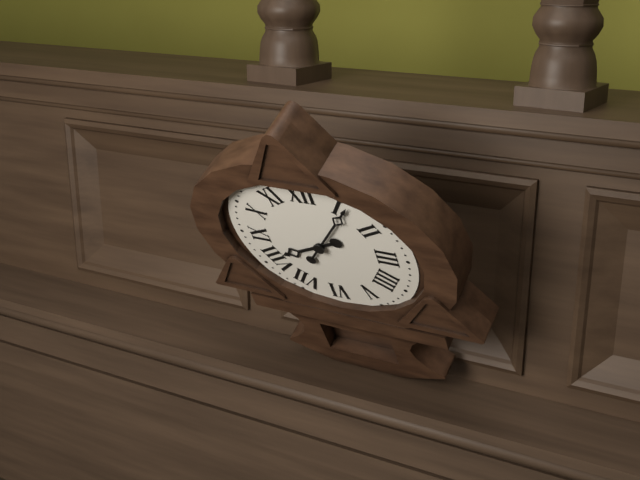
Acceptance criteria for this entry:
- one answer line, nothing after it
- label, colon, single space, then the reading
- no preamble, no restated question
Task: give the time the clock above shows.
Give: 8:06
